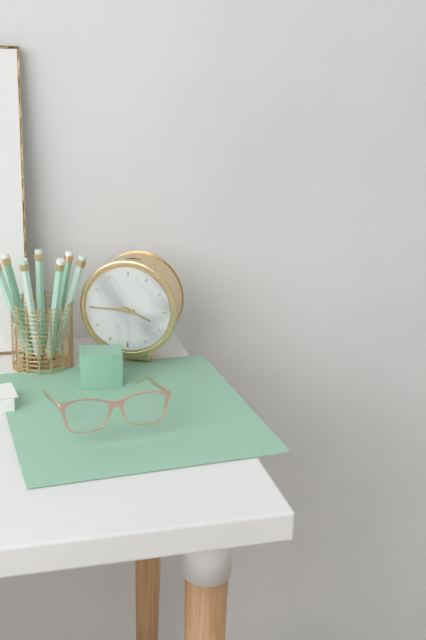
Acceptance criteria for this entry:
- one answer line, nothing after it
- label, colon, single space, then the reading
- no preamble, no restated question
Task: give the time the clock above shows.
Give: 3:45
